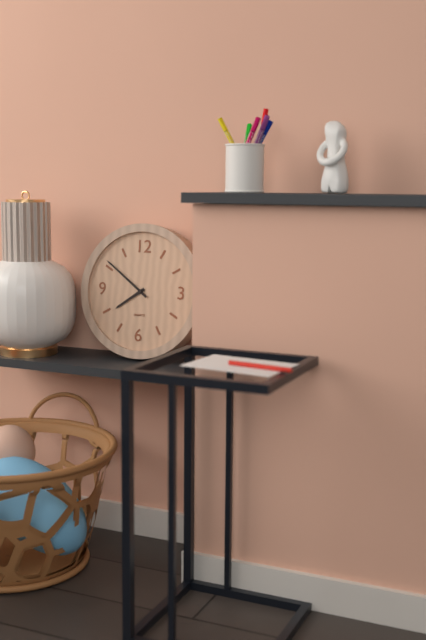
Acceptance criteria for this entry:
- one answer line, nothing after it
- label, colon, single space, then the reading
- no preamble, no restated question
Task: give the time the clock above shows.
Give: 7:51
